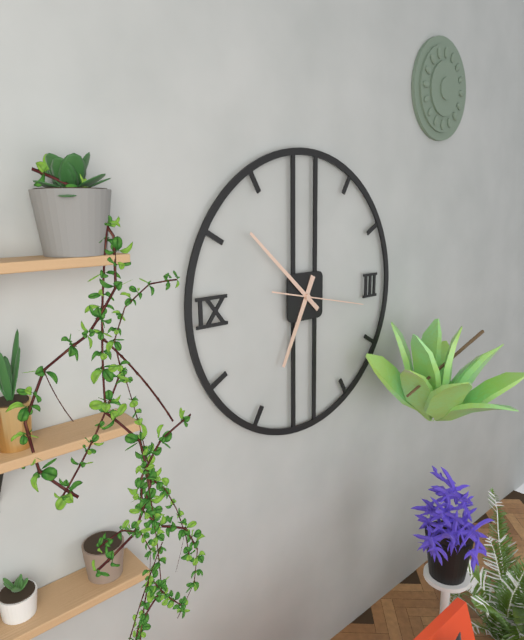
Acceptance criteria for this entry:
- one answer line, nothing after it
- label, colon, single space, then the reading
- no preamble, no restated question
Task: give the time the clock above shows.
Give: 6:52:17
